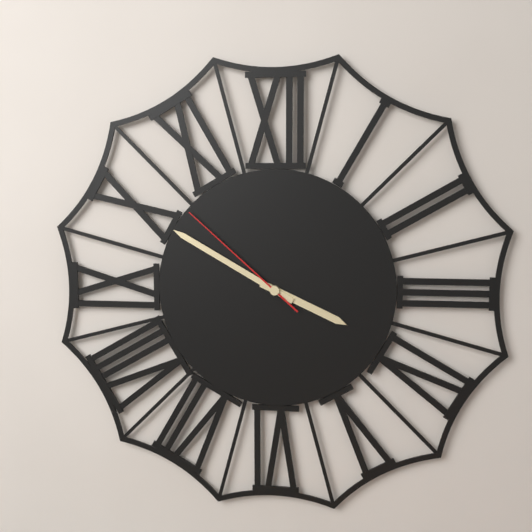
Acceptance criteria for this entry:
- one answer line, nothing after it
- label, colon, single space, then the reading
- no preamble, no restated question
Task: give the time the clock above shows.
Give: 3:50:52
